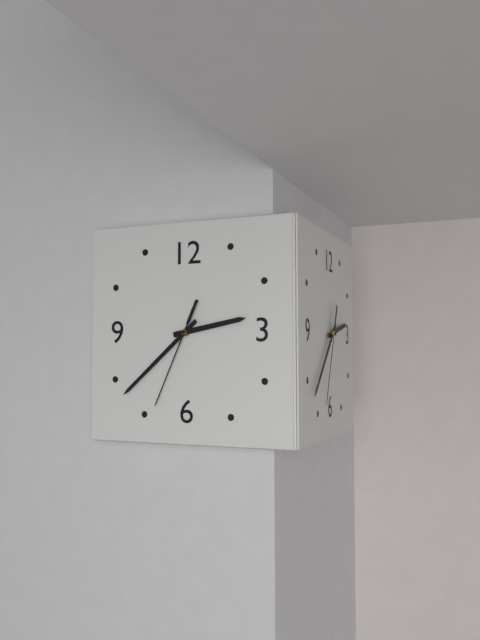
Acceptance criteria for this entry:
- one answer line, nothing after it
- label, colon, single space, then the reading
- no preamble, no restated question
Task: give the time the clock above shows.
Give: 2:38:34
